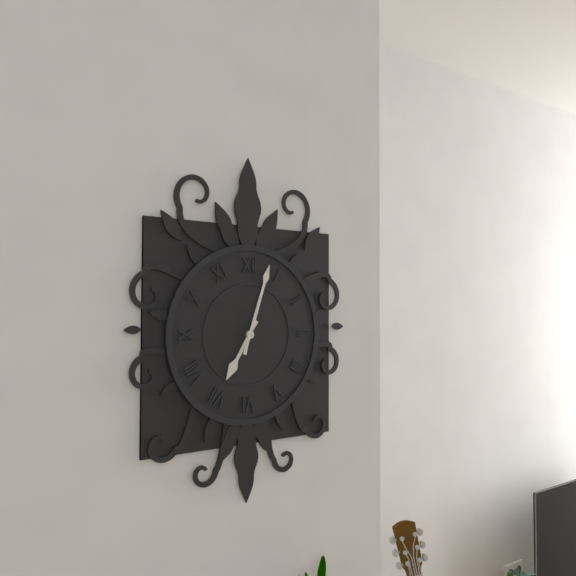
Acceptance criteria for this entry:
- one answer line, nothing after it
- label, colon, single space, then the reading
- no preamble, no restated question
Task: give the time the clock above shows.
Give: 7:03
